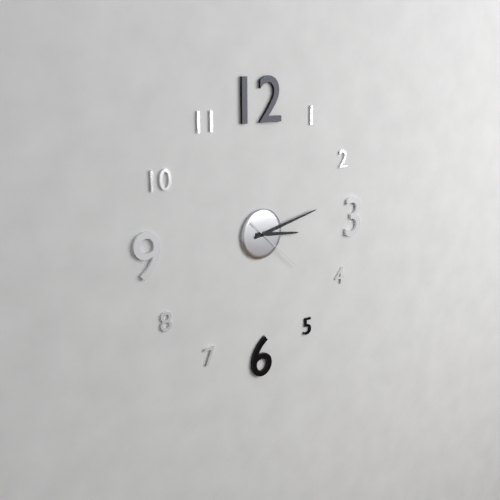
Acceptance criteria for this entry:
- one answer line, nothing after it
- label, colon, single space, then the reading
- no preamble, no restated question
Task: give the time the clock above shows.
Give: 3:13:22
